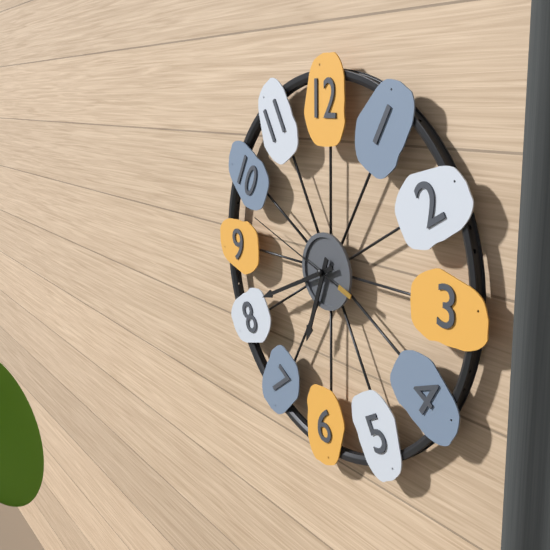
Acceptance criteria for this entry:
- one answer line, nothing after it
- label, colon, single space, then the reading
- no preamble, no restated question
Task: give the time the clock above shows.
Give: 6:41:48
